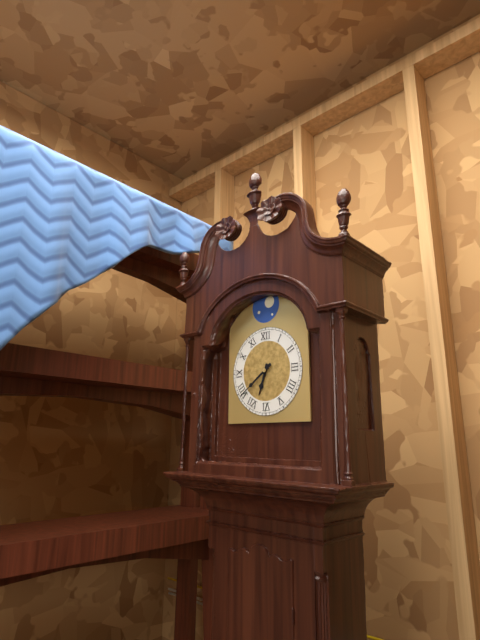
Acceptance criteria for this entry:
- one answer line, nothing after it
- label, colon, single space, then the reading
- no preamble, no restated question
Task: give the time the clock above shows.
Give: 6:39
